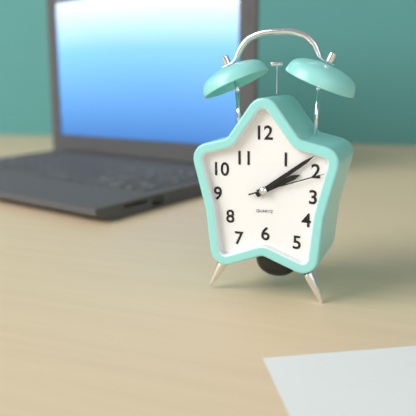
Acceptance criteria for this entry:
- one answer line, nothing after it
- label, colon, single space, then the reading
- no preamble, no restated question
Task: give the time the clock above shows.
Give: 2:09:12
